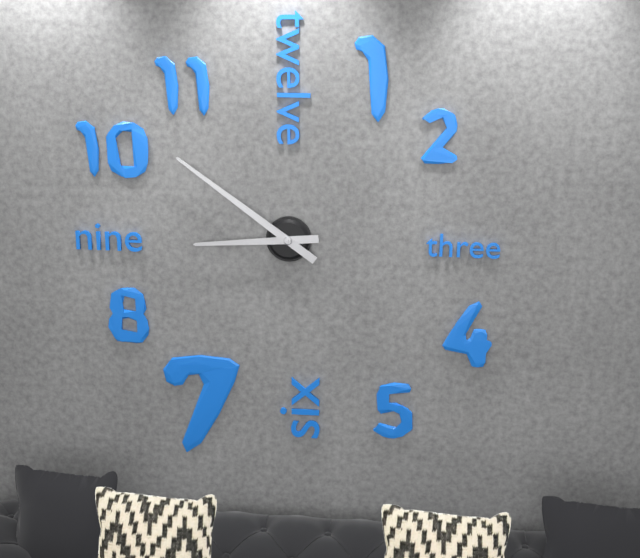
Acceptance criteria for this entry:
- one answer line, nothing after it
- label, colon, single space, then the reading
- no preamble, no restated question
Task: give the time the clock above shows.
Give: 8:51
